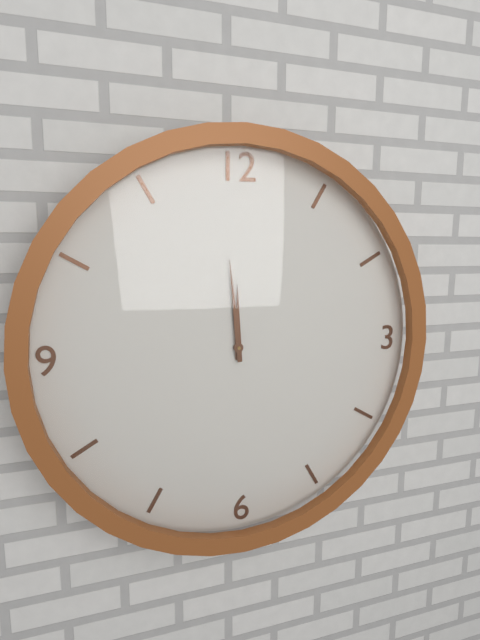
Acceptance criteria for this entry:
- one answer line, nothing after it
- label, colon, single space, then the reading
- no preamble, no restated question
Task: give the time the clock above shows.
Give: 11:59
